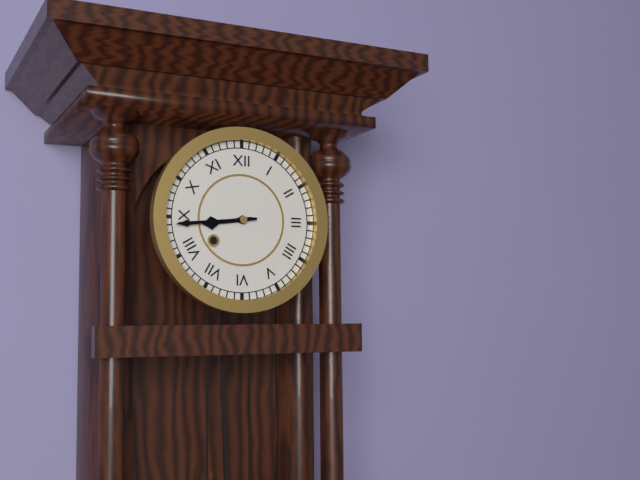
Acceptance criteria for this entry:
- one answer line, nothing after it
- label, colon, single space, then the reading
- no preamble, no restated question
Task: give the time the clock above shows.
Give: 8:44
